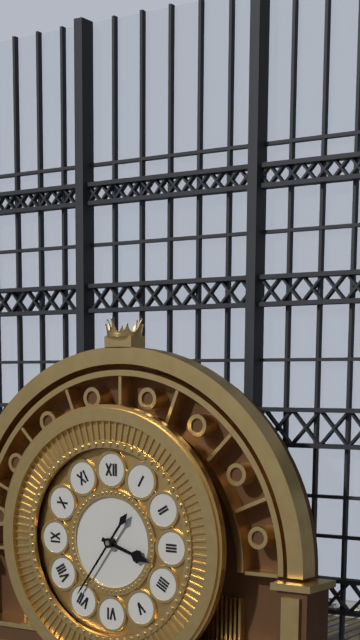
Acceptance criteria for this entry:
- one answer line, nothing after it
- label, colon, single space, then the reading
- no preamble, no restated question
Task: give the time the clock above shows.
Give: 3:36
